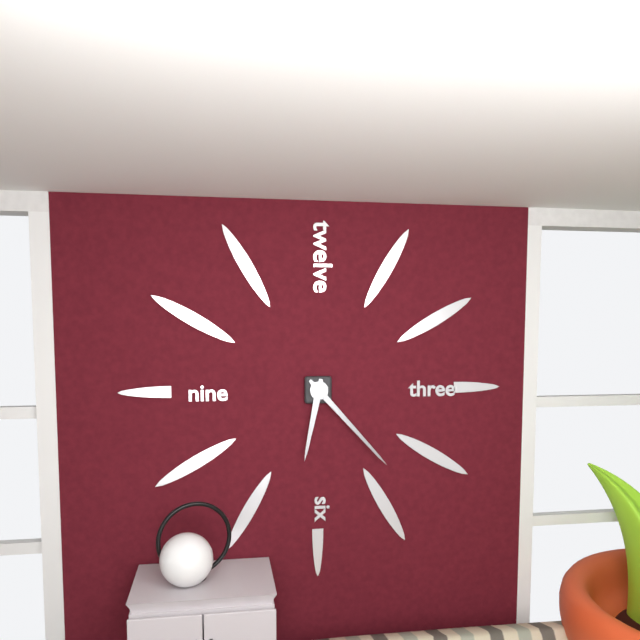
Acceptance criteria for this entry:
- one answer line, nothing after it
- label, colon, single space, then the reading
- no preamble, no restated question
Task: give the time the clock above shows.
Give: 6:23
